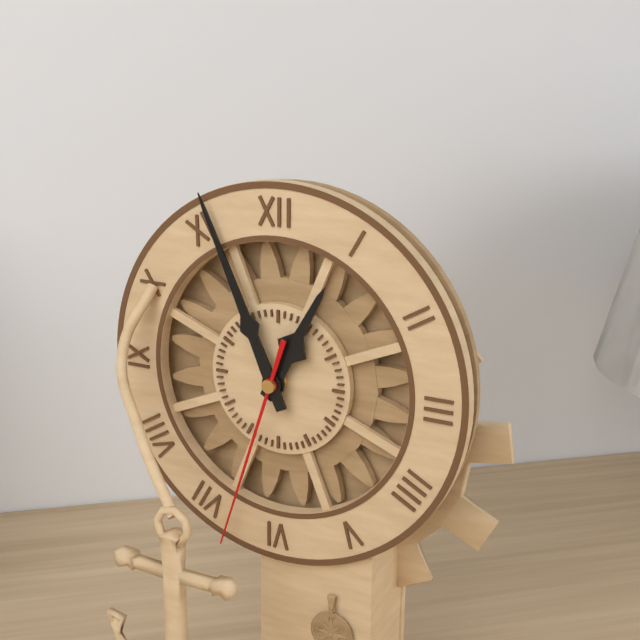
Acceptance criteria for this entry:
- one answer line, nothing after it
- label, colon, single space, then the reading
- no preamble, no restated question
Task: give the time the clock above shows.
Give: 12:56:33
